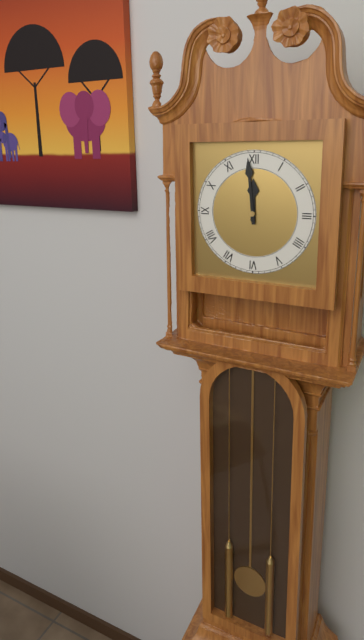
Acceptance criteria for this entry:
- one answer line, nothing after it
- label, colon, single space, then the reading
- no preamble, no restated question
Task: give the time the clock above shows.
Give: 11:59
